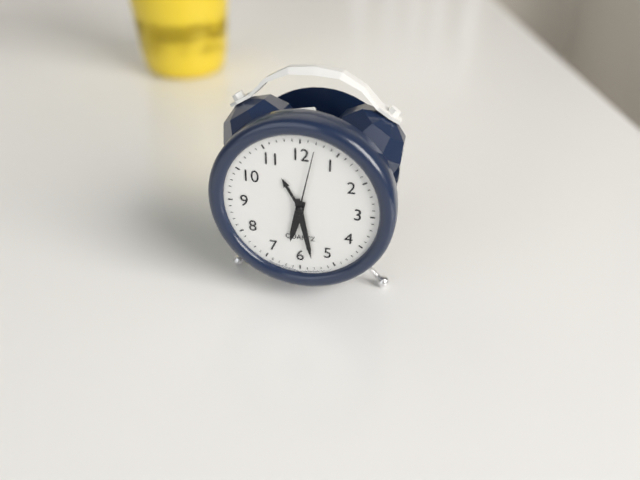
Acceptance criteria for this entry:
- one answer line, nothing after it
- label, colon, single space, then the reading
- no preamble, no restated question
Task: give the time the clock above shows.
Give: 6:28:02
